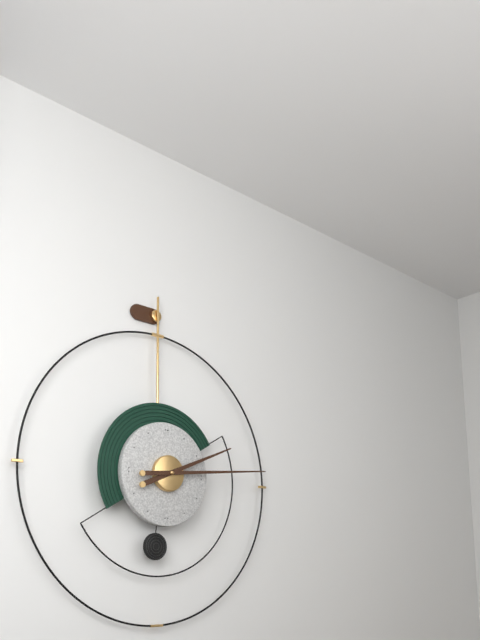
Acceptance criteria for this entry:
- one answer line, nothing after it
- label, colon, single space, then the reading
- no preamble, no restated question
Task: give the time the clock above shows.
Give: 2:14
